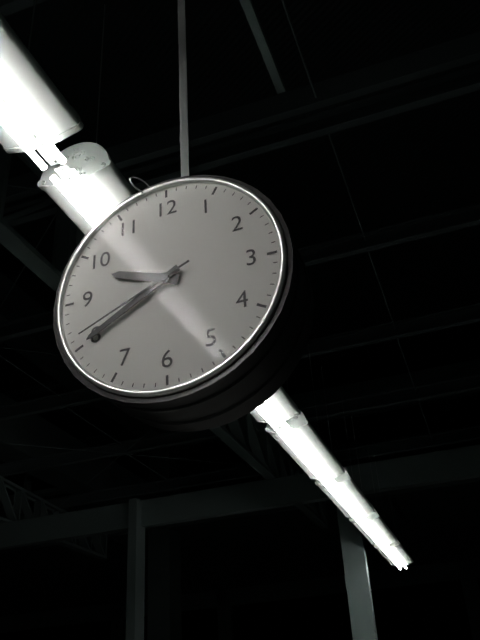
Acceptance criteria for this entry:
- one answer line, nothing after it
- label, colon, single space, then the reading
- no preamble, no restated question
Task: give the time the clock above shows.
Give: 9:40:41
